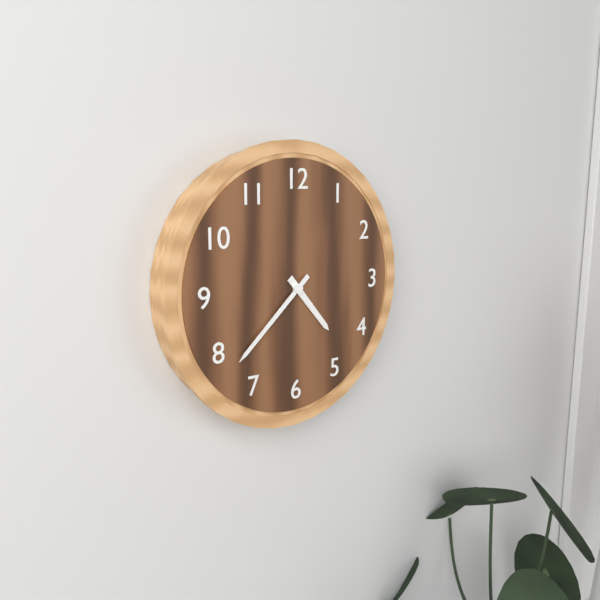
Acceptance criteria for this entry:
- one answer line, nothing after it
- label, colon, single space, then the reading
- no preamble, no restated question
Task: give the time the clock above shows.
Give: 4:38
